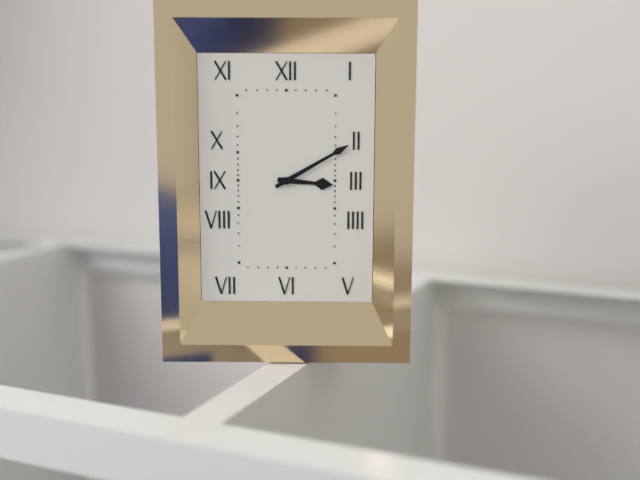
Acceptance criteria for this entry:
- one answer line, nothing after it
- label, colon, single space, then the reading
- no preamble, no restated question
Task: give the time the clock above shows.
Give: 3:10
